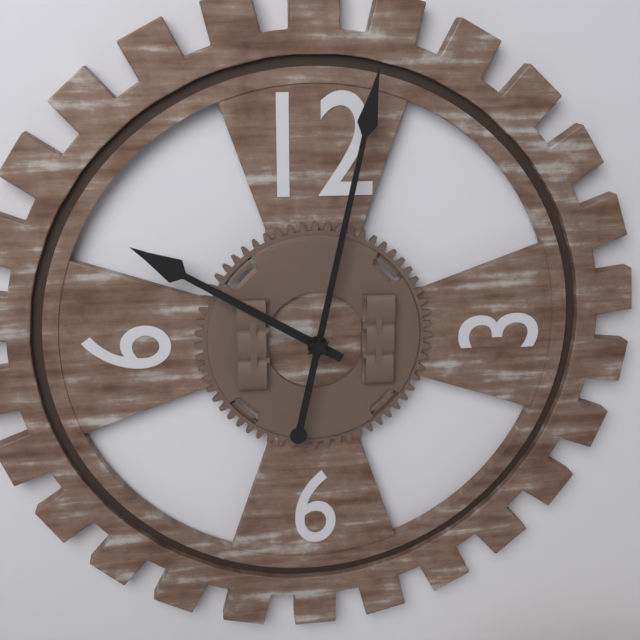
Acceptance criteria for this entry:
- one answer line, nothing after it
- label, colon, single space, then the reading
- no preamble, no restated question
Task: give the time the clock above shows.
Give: 10:02
